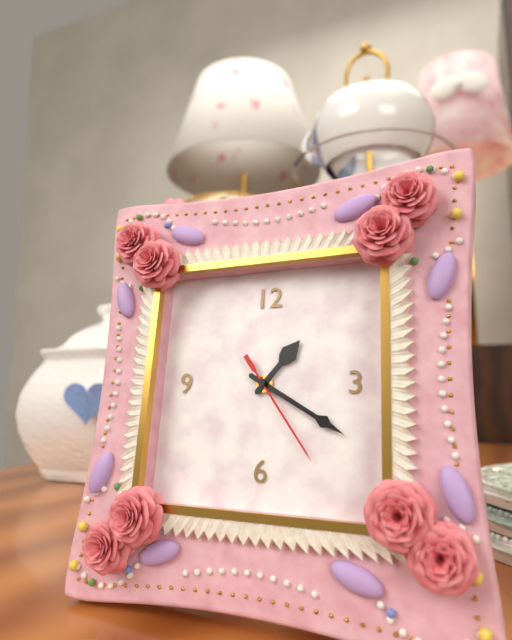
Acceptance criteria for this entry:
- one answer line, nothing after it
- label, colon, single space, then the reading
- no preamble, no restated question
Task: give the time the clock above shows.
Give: 1:20:24
